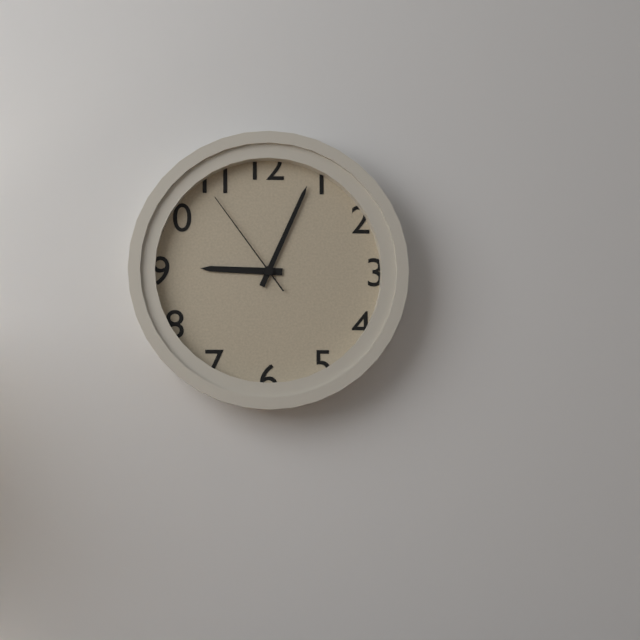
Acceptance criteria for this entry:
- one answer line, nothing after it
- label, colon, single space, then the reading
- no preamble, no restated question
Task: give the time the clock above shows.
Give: 9:04:54
